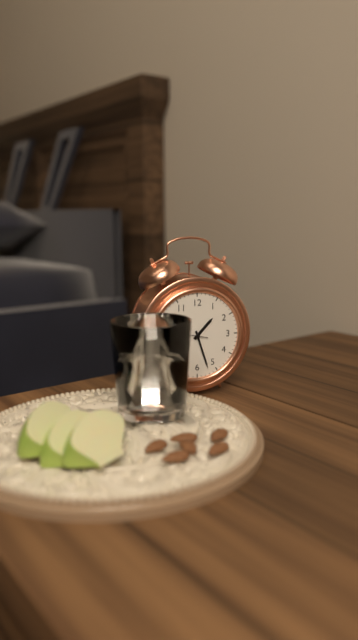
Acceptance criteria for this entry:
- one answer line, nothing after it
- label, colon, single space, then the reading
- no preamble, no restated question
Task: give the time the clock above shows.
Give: 1:27
